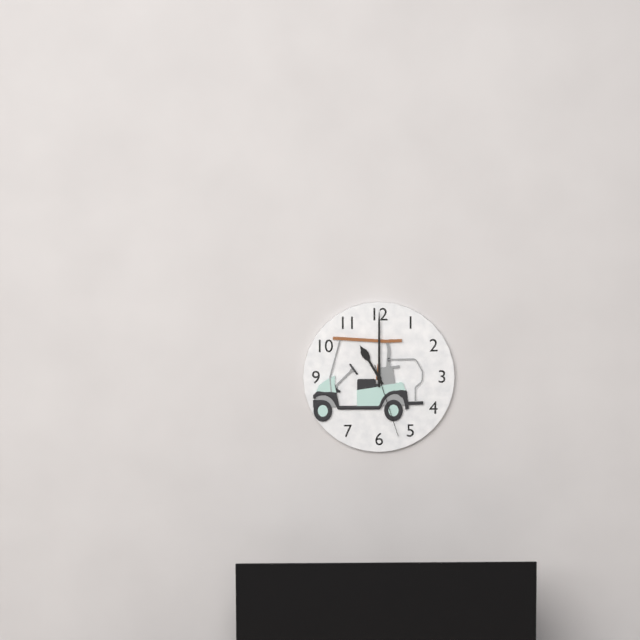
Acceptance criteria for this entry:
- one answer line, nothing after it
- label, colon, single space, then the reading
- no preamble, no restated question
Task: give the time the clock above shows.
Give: 11:00:27
